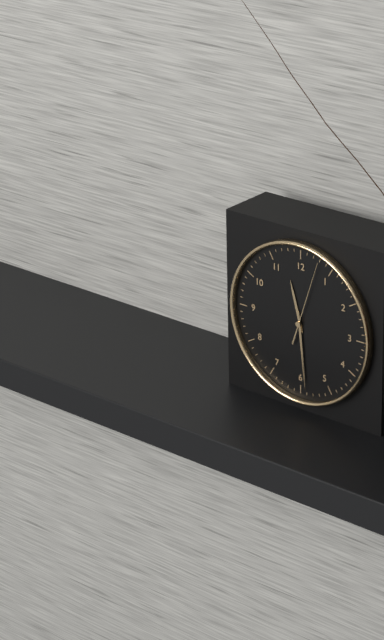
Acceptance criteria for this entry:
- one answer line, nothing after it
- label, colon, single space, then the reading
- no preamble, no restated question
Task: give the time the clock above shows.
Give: 11:29:03
